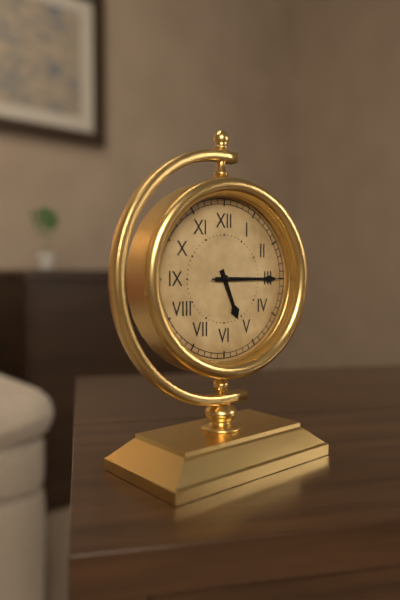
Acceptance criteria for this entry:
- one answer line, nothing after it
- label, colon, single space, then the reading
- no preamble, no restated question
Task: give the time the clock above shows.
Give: 5:15:15
